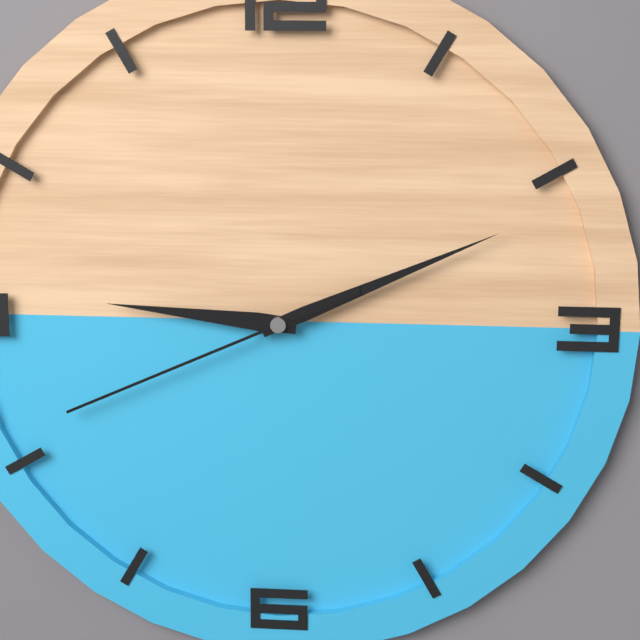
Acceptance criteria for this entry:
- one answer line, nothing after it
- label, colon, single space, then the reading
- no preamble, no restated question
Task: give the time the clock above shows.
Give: 9:11:41
